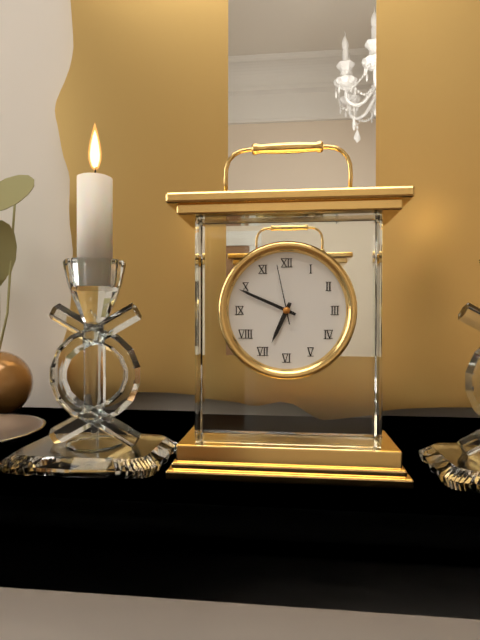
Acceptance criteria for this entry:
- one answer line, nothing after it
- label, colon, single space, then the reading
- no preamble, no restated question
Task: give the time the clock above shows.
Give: 6:49:58
